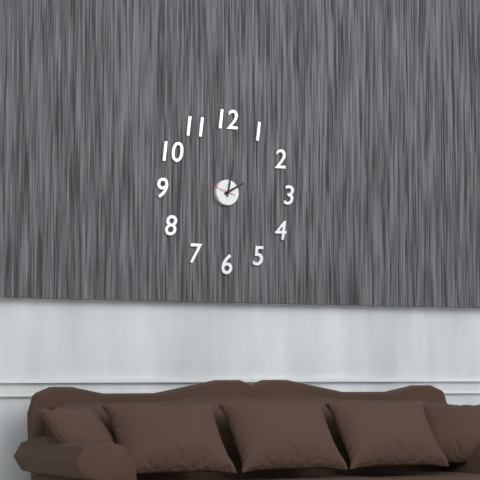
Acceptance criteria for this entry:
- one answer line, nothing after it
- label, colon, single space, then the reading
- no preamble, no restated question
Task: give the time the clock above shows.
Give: 2:02
